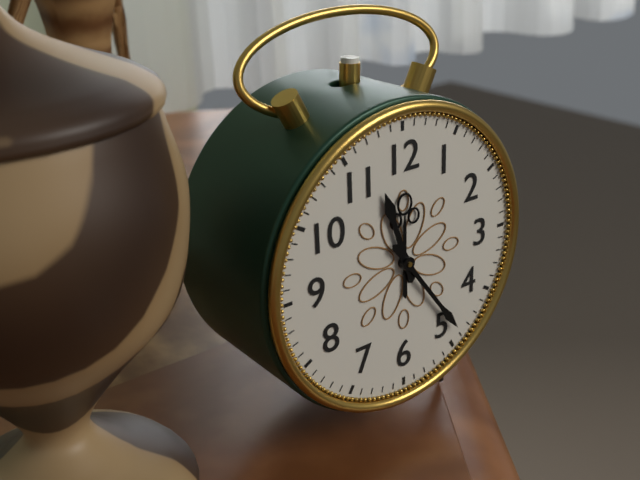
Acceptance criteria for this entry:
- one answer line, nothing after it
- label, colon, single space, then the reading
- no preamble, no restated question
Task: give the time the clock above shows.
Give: 11:24
